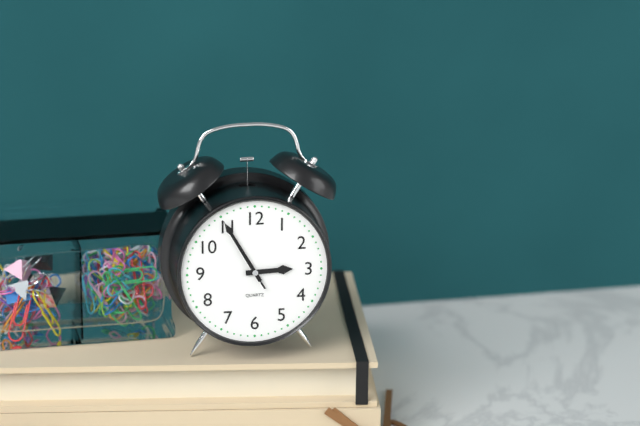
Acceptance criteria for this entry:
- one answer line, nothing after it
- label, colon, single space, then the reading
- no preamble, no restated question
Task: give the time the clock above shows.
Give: 2:55:55
